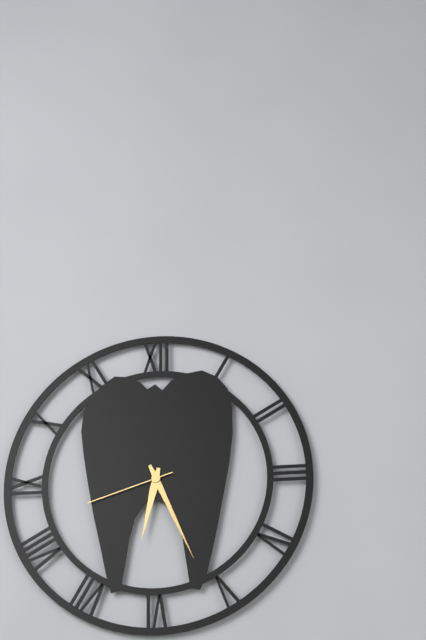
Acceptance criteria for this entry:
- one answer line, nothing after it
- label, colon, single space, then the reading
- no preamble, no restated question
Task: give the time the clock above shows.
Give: 6:26:42
